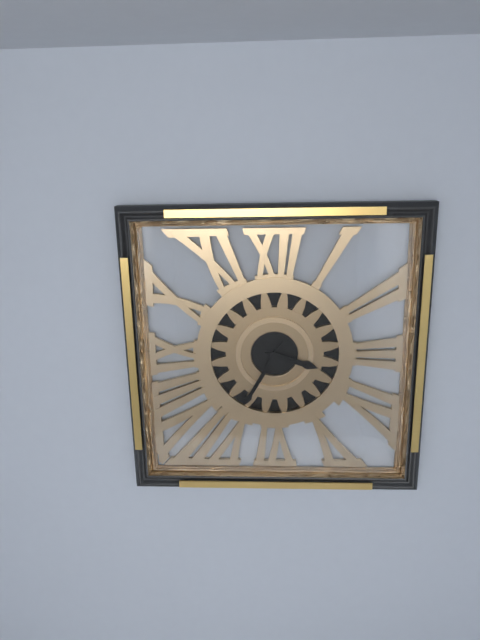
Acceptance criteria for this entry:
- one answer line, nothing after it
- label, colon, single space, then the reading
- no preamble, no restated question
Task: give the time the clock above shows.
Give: 3:35
